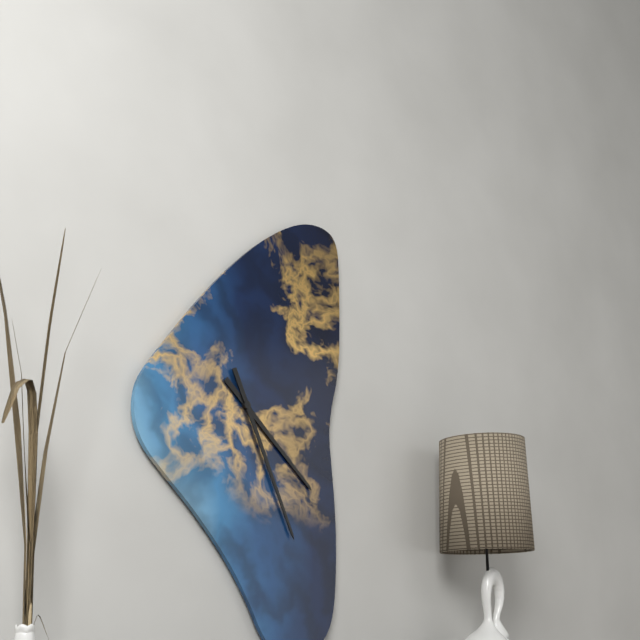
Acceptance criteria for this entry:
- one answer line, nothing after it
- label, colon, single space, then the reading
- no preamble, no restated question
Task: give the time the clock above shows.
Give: 4:26
